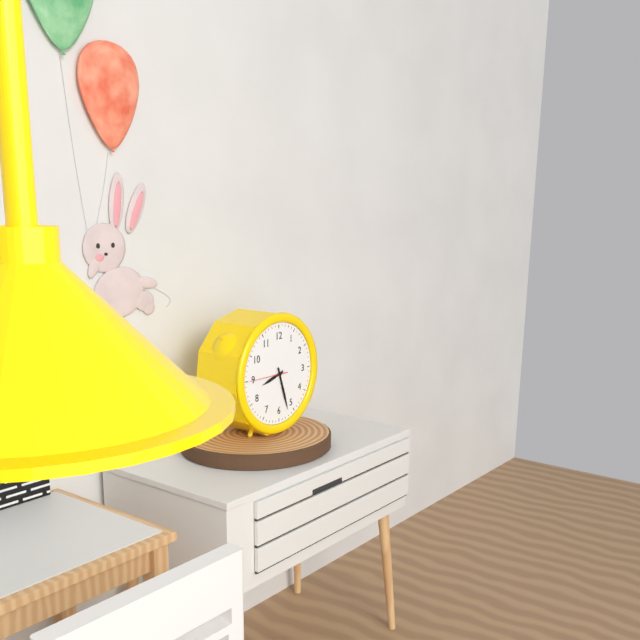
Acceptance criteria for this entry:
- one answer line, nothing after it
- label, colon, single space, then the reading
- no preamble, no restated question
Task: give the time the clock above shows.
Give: 8:27
